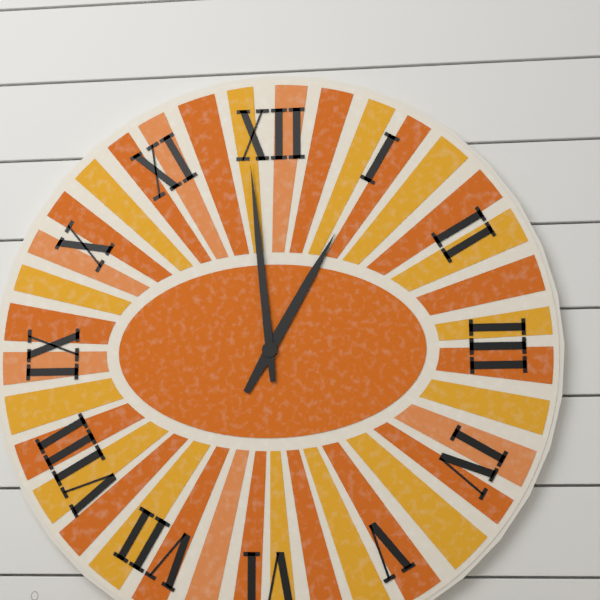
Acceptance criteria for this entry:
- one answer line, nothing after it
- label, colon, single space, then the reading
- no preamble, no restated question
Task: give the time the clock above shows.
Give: 12:59
